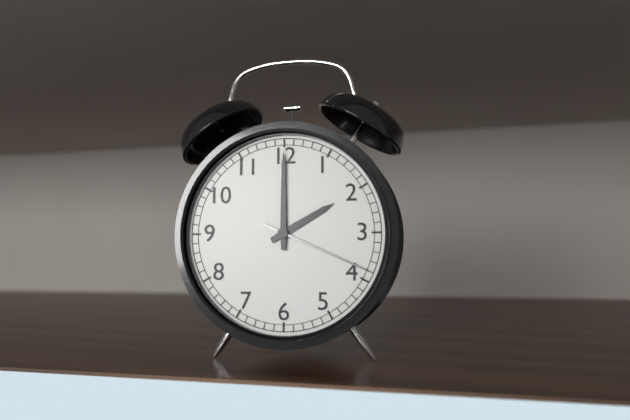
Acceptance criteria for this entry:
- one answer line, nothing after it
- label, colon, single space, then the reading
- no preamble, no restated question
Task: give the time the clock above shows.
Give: 2:00:19
